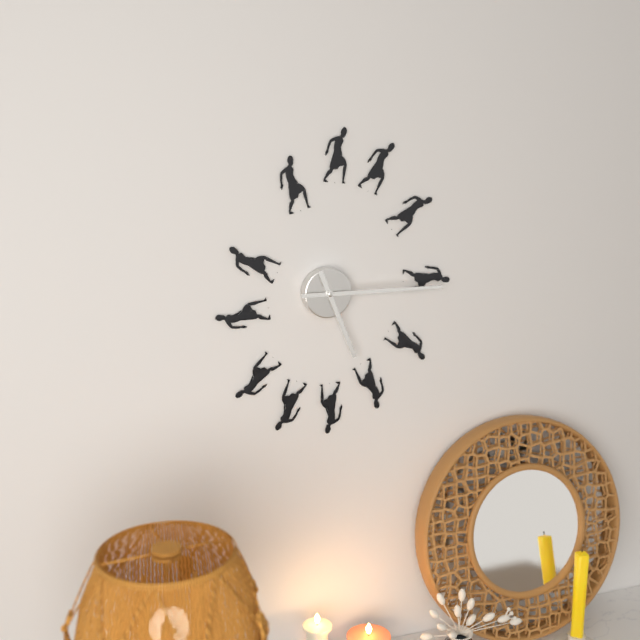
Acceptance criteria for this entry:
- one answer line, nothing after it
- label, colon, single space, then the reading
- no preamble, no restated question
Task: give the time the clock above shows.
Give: 5:15
